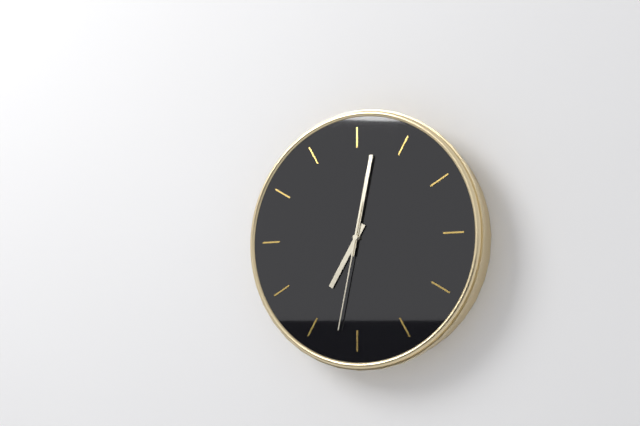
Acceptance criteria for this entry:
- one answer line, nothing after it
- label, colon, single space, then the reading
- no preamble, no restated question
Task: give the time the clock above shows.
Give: 7:02:32
